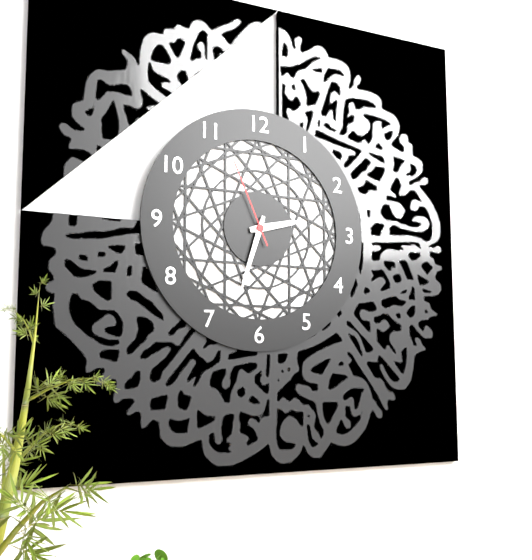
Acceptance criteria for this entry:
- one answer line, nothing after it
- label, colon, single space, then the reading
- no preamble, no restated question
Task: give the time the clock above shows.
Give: 2:33:56
